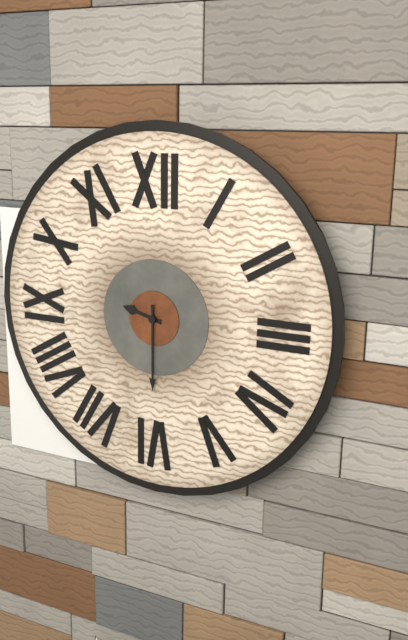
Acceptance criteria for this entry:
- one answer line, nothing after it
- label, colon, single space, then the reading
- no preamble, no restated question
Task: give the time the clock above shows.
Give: 9:30
